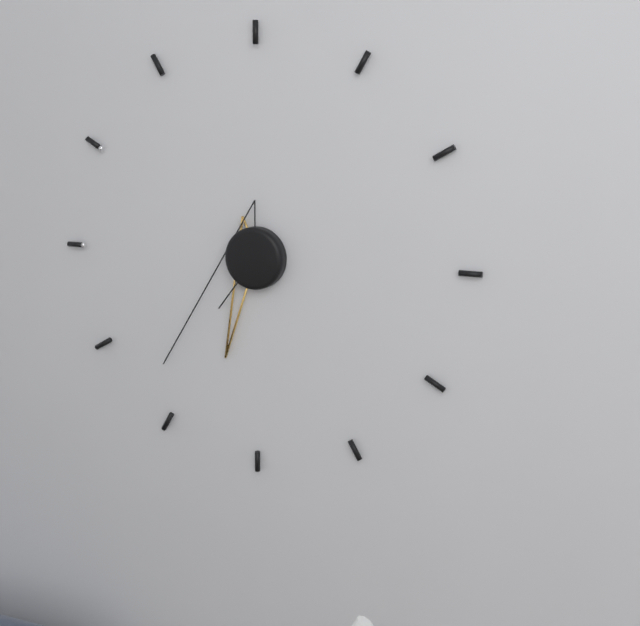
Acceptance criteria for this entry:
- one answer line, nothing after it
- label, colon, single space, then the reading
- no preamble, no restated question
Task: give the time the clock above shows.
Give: 6:37
